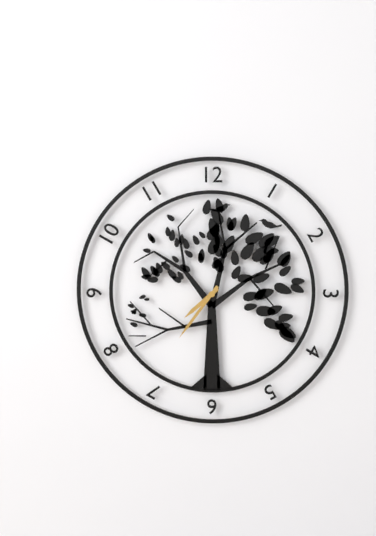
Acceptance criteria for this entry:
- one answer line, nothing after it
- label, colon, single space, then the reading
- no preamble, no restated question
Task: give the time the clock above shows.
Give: 7:36
